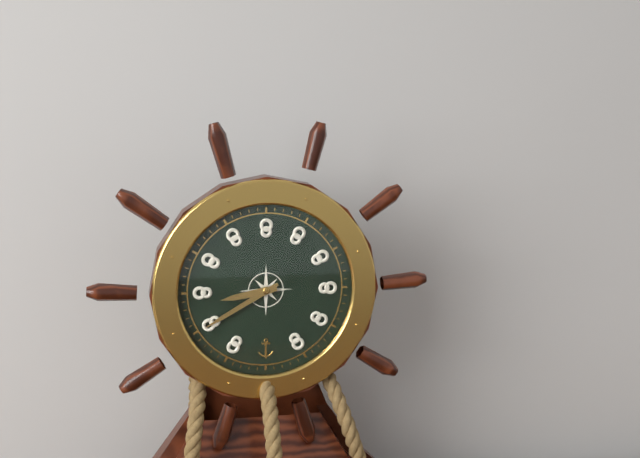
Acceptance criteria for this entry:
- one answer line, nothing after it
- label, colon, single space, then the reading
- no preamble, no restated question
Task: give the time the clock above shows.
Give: 8:40
